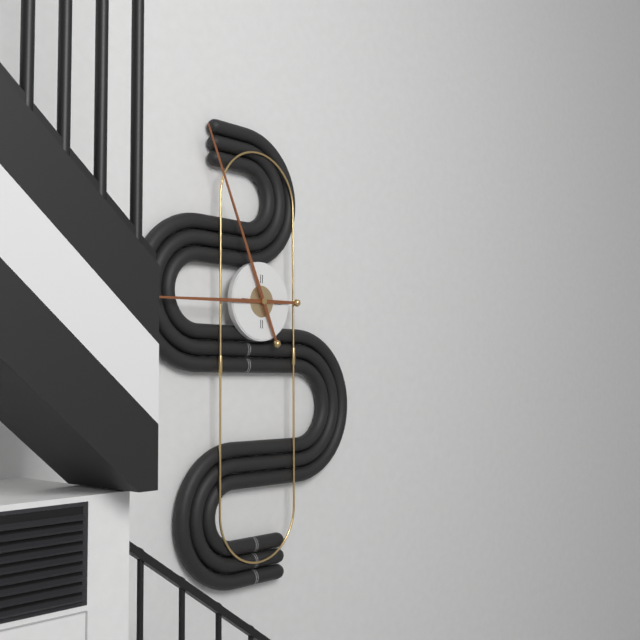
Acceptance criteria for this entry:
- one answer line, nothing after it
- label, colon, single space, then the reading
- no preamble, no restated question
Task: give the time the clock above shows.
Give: 8:56
